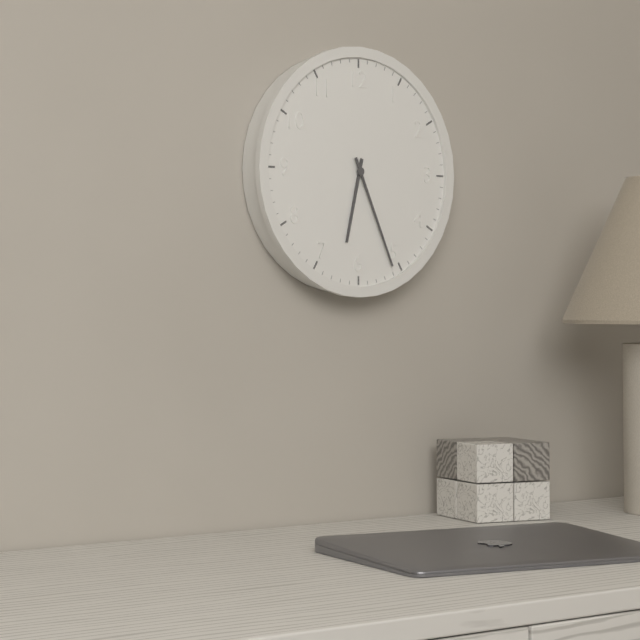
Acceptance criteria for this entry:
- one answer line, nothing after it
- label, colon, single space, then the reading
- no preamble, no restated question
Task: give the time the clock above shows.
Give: 6:26
